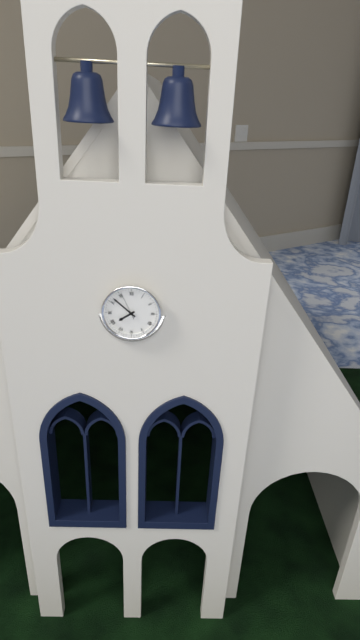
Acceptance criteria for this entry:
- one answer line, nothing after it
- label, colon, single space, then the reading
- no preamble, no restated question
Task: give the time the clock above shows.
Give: 7:52
